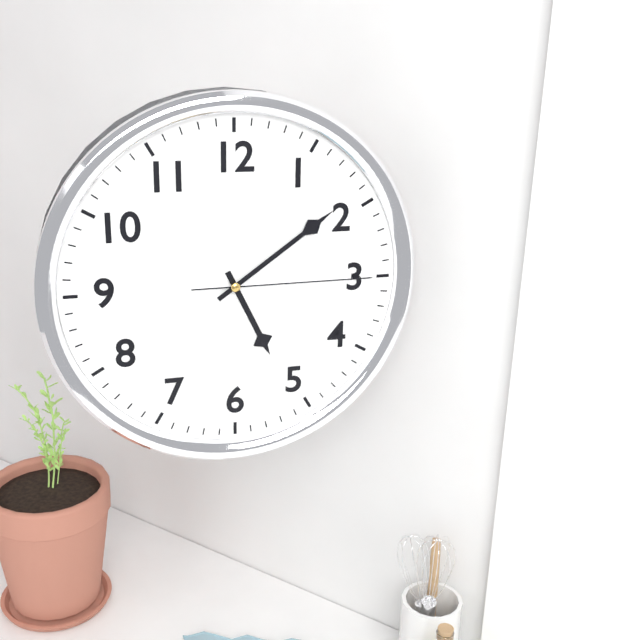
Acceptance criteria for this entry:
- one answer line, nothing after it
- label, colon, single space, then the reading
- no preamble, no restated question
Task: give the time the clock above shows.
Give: 5:09:15
